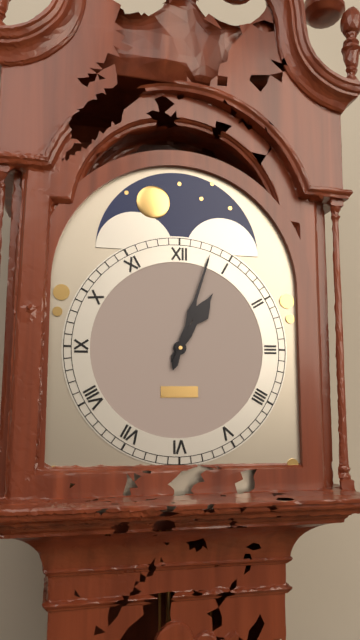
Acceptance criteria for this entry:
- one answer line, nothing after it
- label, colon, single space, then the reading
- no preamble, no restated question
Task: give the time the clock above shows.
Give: 1:03
